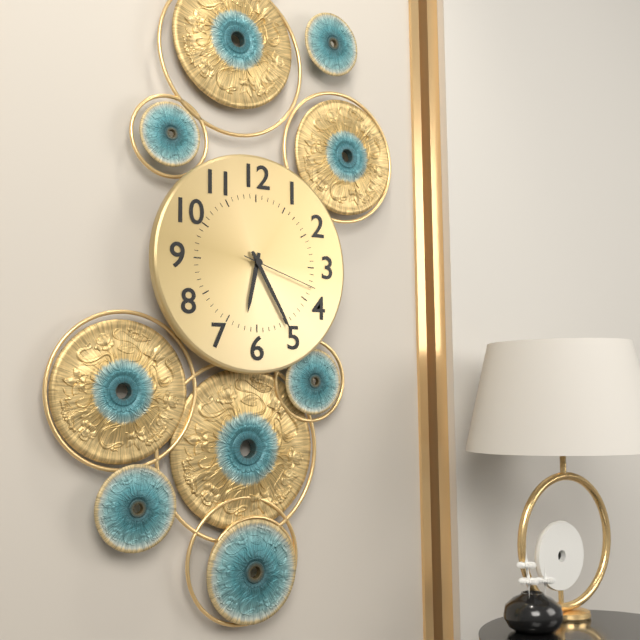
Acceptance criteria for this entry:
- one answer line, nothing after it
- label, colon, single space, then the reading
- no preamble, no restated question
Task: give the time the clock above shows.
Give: 6:25:18
